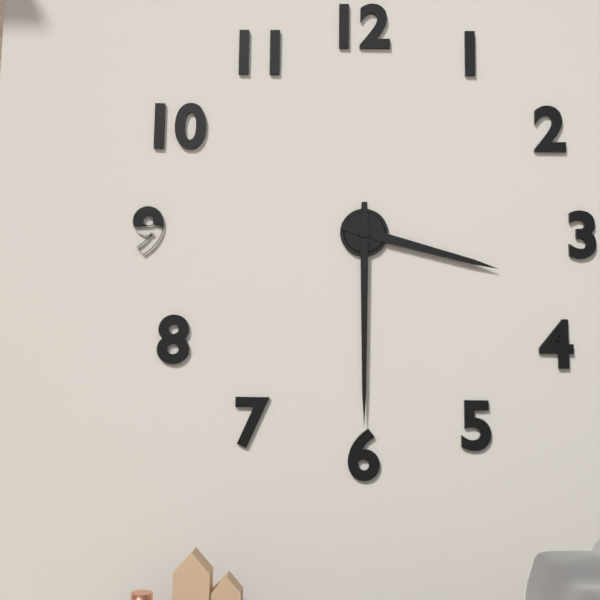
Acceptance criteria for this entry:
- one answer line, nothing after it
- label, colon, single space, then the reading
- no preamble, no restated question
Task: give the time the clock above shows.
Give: 3:30
